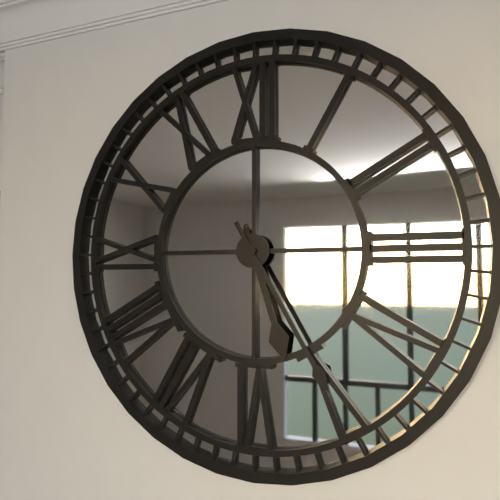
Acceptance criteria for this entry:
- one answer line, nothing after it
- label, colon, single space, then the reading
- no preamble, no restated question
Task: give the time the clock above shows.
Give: 5:25
